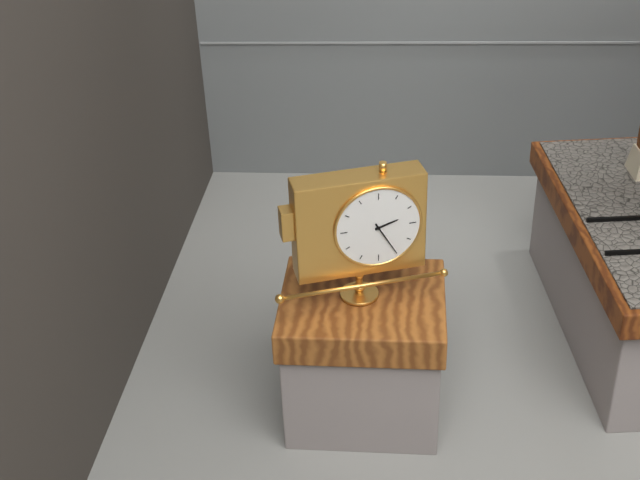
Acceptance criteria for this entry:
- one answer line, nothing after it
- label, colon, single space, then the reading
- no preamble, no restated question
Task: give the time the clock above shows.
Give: 2:25
